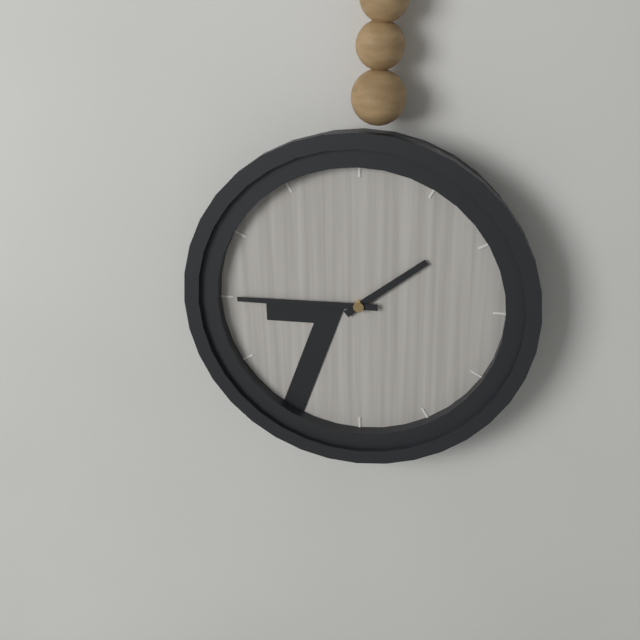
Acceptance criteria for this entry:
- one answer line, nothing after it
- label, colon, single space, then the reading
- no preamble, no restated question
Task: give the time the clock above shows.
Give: 1:45
